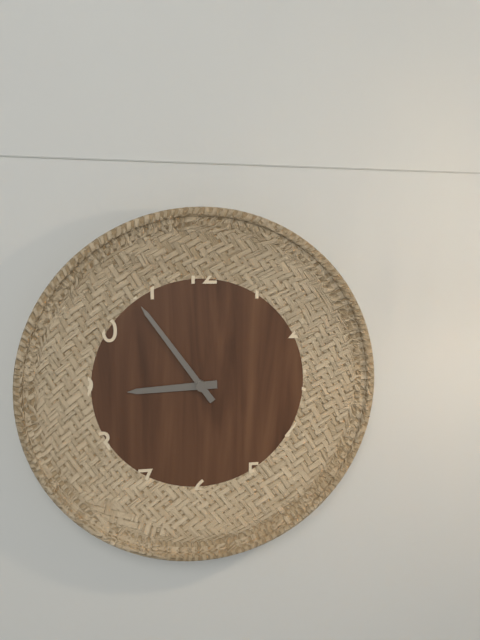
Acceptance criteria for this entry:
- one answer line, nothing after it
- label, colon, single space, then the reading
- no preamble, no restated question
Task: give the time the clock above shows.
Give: 8:54
